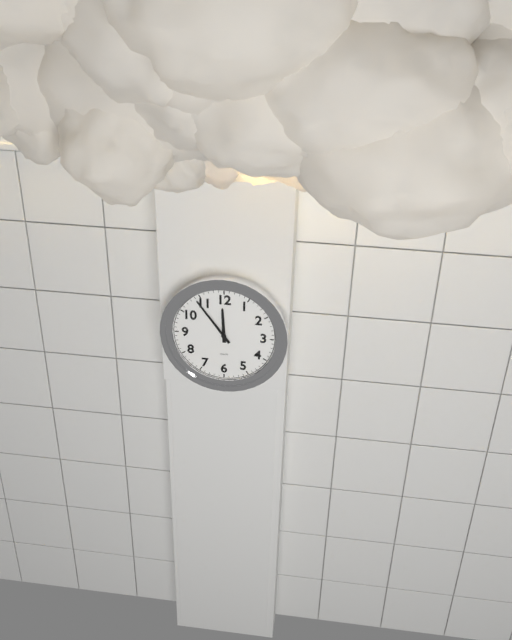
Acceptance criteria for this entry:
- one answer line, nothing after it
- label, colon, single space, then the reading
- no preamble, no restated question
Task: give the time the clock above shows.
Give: 11:54
